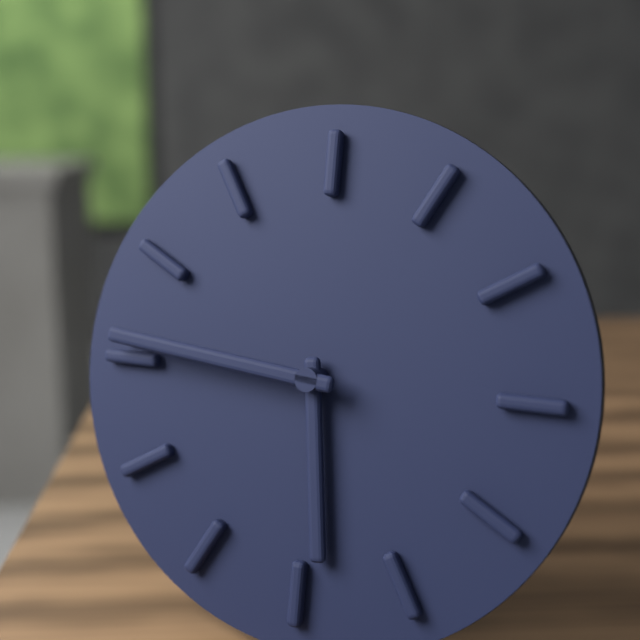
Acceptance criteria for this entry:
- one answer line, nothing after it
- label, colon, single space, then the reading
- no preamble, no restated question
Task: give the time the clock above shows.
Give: 5:46
